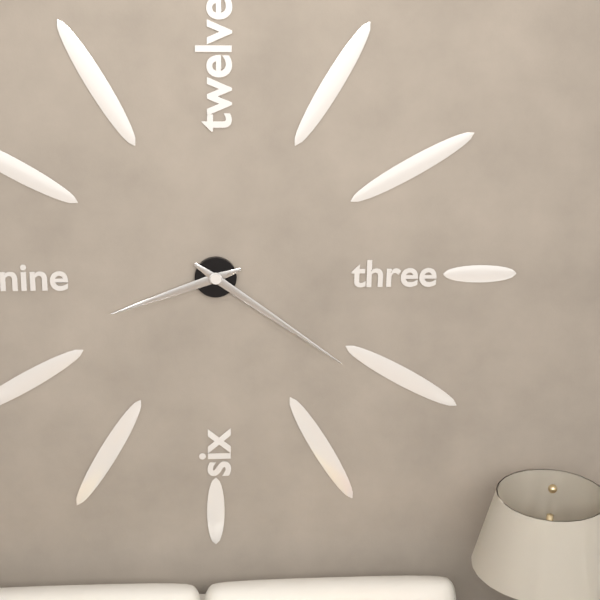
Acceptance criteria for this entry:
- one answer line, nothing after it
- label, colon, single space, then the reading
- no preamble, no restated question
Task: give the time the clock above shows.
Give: 8:21
